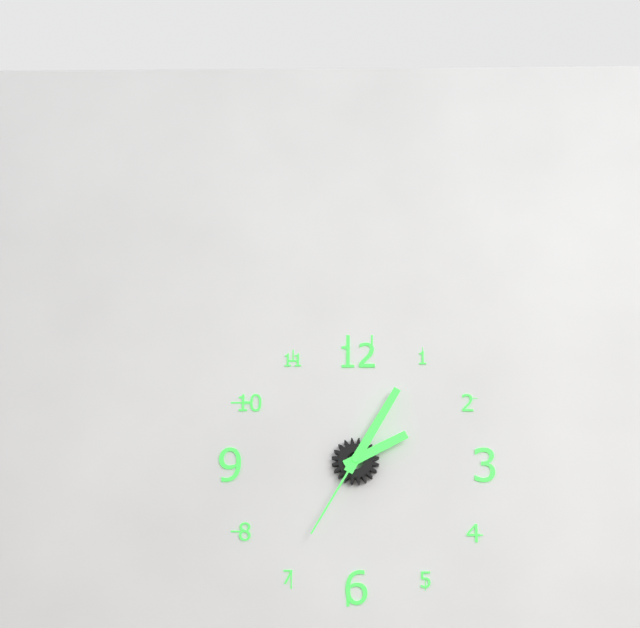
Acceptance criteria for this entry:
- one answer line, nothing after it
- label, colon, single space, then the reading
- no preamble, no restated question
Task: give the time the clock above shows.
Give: 2:05:35
